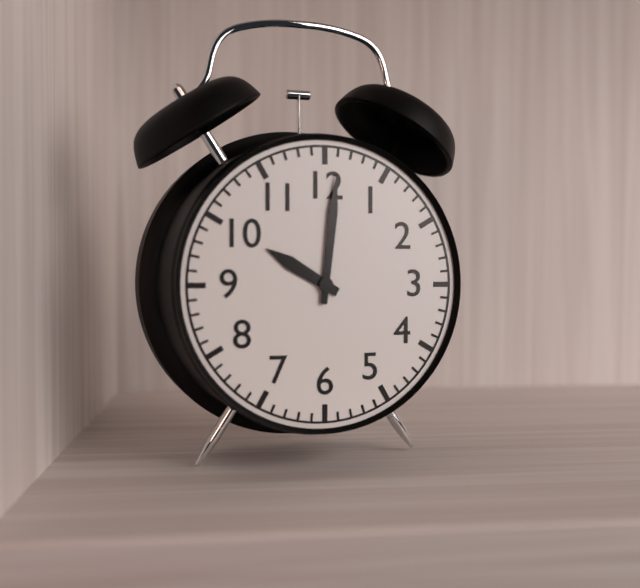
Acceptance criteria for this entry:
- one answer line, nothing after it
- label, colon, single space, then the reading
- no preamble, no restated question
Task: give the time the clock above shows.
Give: 10:01
